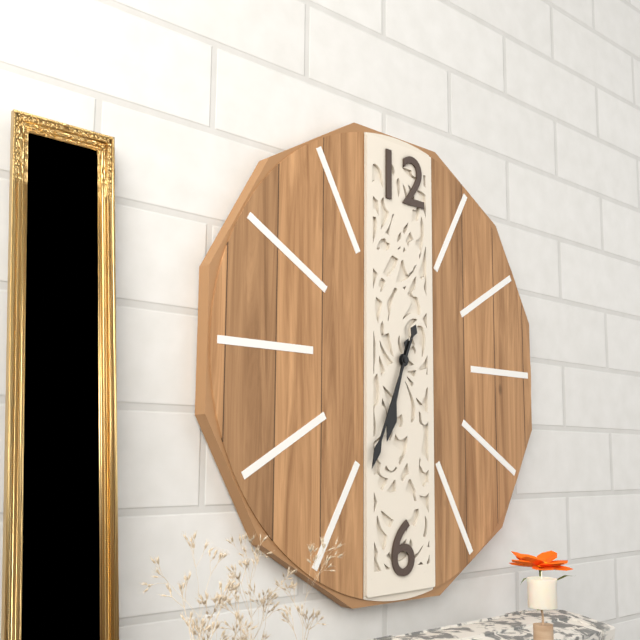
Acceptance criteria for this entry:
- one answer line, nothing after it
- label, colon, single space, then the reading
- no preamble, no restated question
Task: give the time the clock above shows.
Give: 6:34
